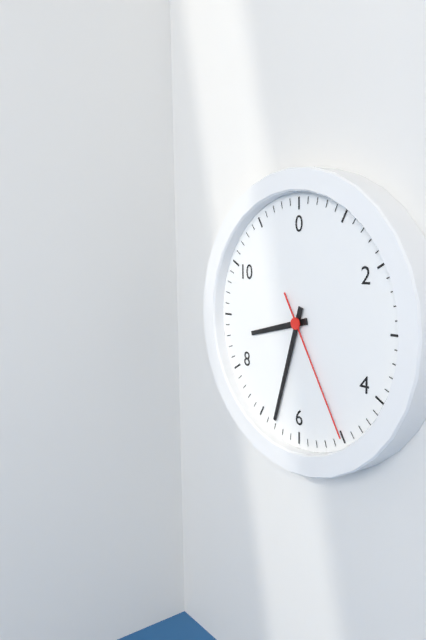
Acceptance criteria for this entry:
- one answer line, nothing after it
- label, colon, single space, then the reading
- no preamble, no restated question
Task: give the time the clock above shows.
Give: 8:33:25
